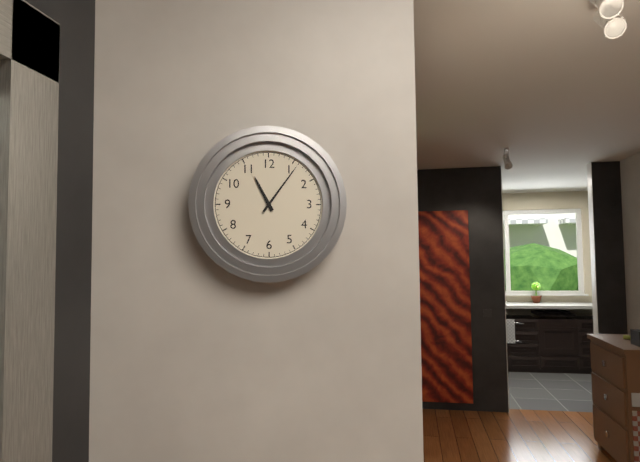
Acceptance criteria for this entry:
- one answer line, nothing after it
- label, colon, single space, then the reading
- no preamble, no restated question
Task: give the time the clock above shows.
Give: 11:06
